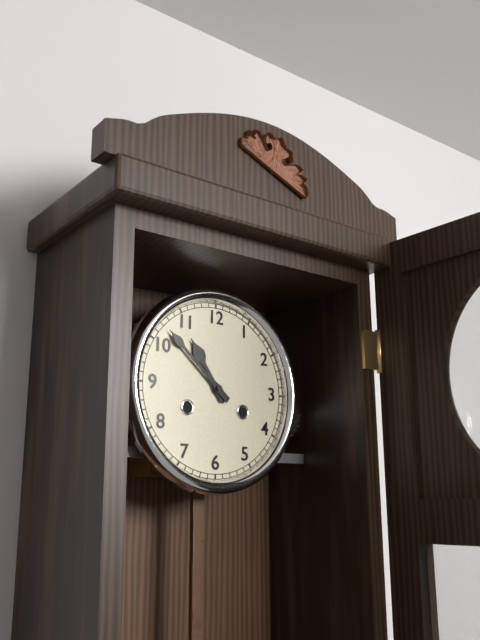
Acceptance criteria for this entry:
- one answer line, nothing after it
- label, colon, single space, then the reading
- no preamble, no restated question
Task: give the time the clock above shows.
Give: 10:52
